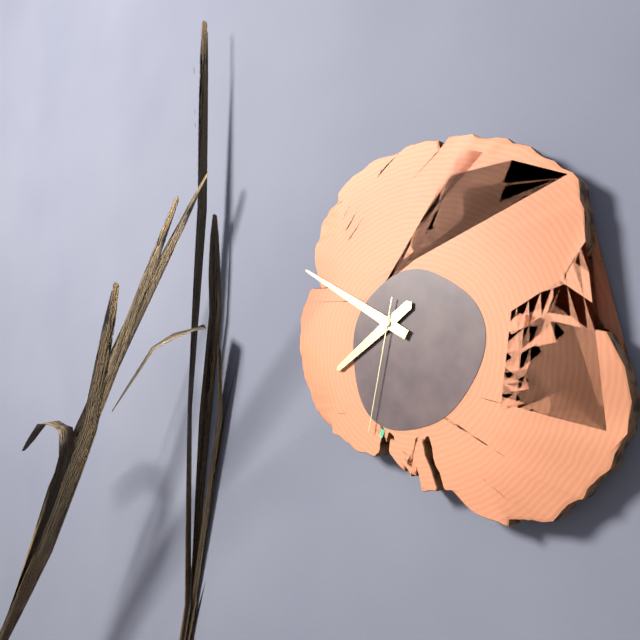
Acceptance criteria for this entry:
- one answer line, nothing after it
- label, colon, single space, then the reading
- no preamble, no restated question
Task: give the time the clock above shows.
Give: 7:50:32
